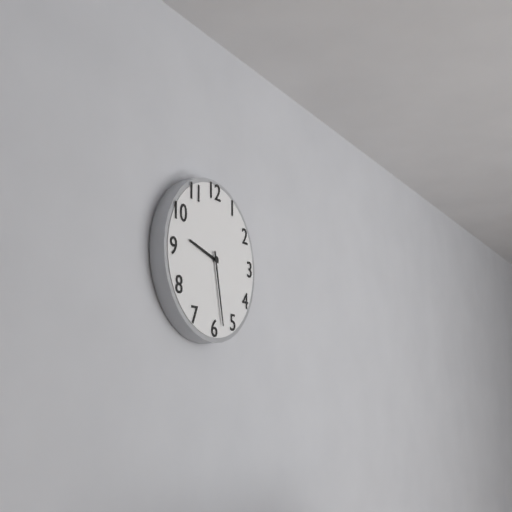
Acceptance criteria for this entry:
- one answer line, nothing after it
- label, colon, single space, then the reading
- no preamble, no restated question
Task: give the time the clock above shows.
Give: 9:28
